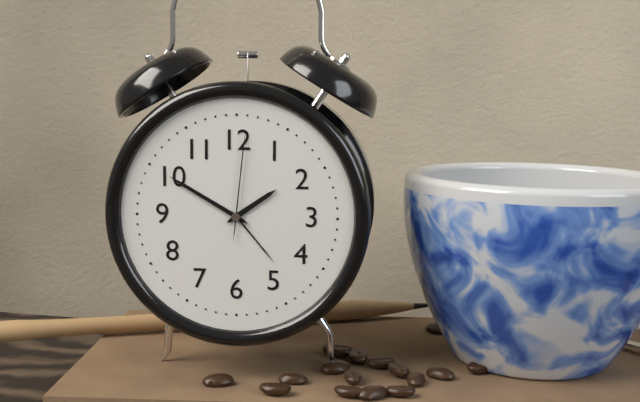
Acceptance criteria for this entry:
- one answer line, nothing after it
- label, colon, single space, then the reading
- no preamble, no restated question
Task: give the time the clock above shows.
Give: 1:50:01
